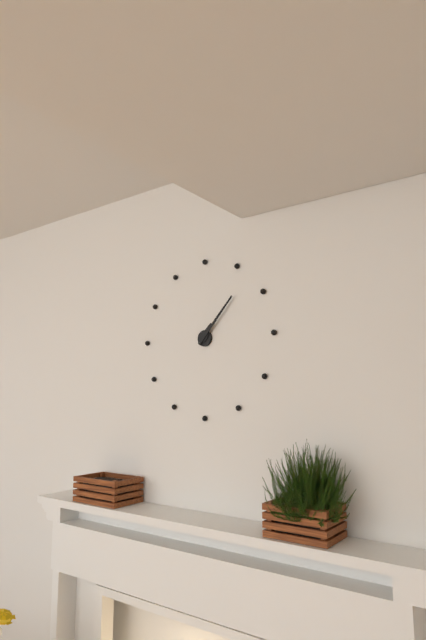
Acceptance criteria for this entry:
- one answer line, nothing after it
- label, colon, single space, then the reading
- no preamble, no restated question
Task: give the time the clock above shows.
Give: 1:07
